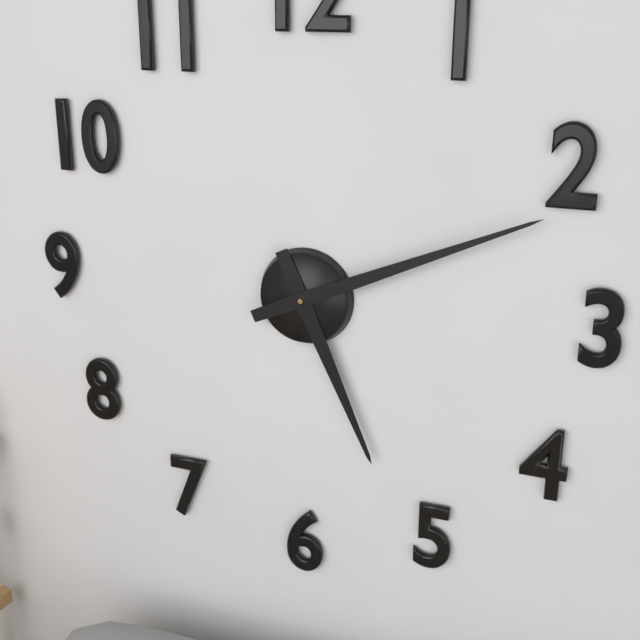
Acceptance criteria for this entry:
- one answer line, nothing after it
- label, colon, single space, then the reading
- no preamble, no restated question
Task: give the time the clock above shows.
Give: 5:11
